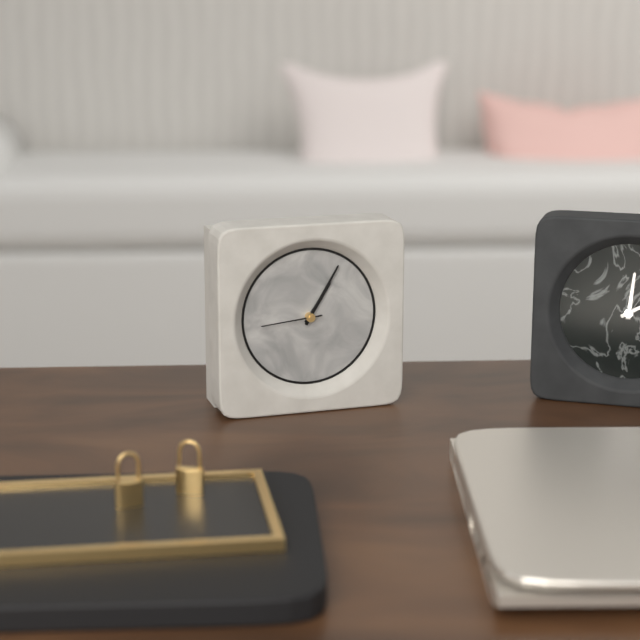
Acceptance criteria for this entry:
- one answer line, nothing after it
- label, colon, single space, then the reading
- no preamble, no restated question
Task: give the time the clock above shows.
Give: 1:05:44
